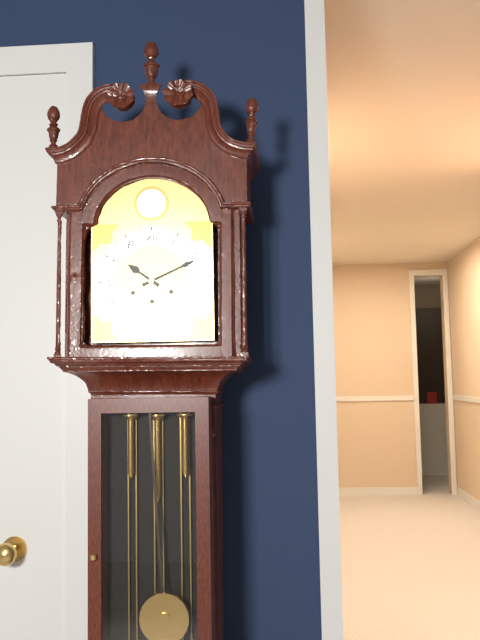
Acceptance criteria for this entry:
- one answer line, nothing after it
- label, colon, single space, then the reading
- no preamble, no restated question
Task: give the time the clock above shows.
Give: 10:11
